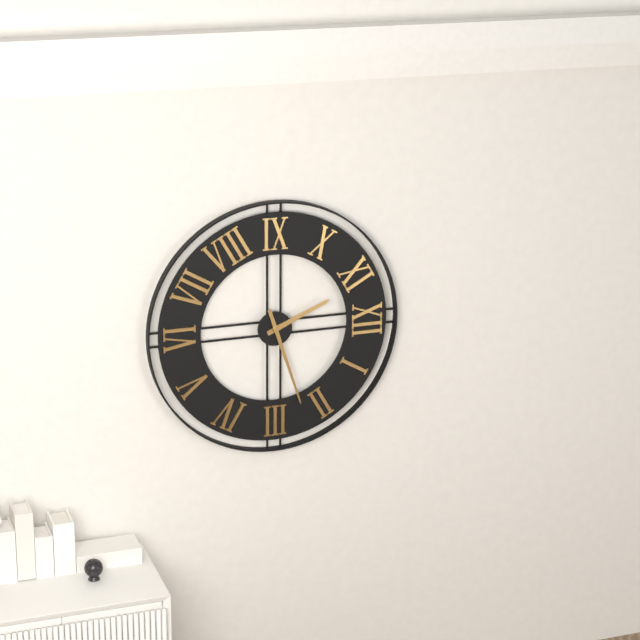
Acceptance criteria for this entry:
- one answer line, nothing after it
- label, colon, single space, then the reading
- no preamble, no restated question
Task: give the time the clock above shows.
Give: 11:12
